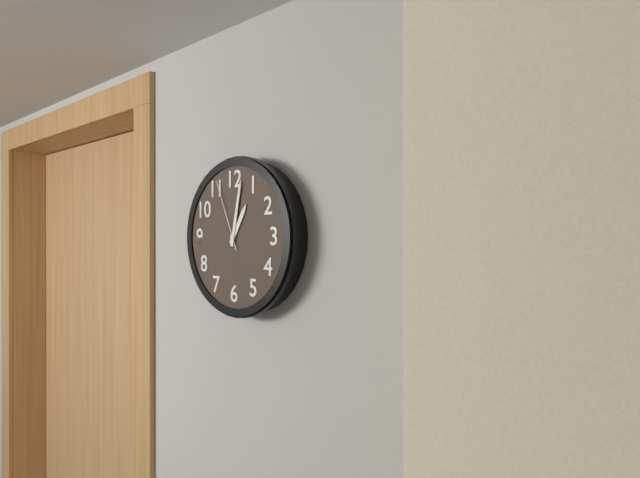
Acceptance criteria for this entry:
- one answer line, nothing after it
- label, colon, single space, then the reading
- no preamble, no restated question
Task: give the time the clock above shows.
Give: 1:02:56
